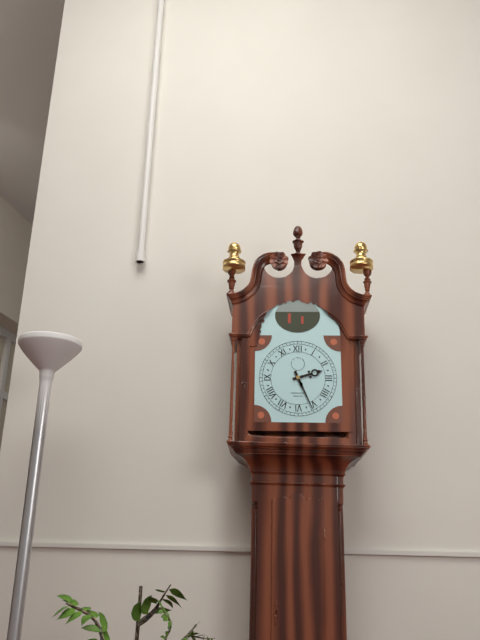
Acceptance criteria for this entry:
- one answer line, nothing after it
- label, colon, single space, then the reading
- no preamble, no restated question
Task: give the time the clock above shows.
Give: 2:26
